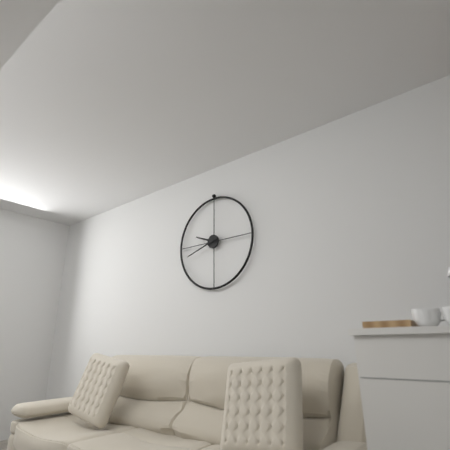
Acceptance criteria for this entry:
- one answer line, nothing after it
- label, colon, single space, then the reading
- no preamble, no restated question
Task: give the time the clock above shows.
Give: 9:42
